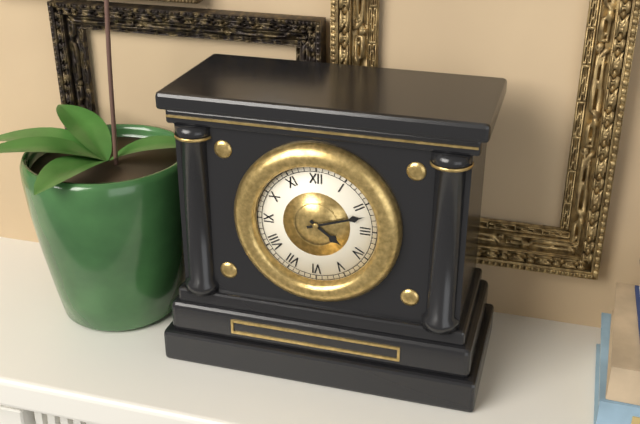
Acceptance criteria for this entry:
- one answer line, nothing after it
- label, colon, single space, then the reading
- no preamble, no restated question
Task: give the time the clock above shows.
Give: 4:12
